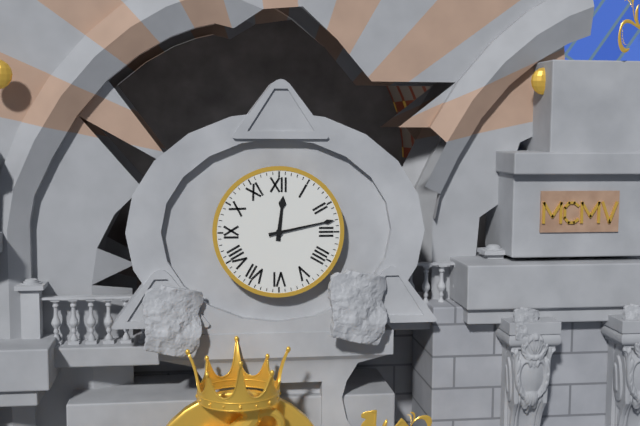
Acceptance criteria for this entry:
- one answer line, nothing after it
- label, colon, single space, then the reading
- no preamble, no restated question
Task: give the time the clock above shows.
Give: 12:13
